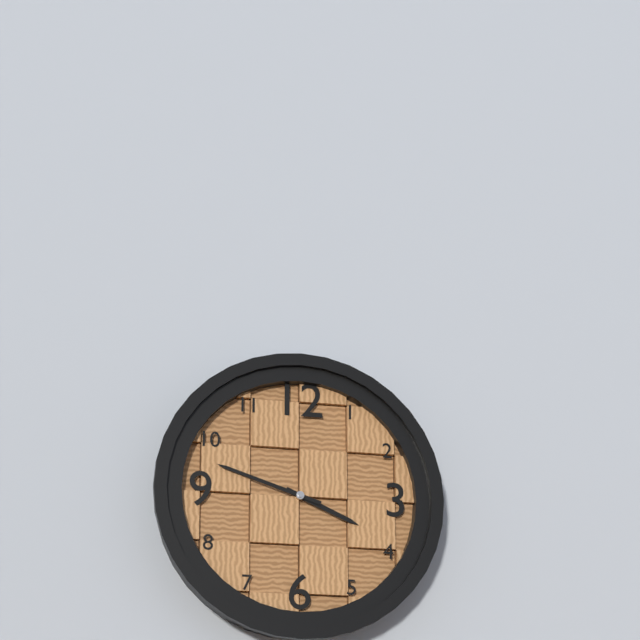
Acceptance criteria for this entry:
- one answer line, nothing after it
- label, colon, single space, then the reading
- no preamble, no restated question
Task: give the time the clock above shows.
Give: 3:48
